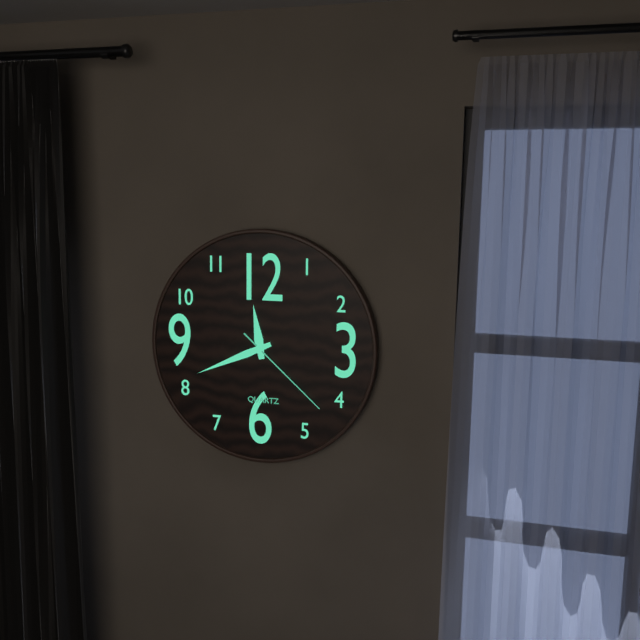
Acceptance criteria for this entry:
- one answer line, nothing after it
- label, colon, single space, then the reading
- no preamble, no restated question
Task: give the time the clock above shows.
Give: 11:41:22
